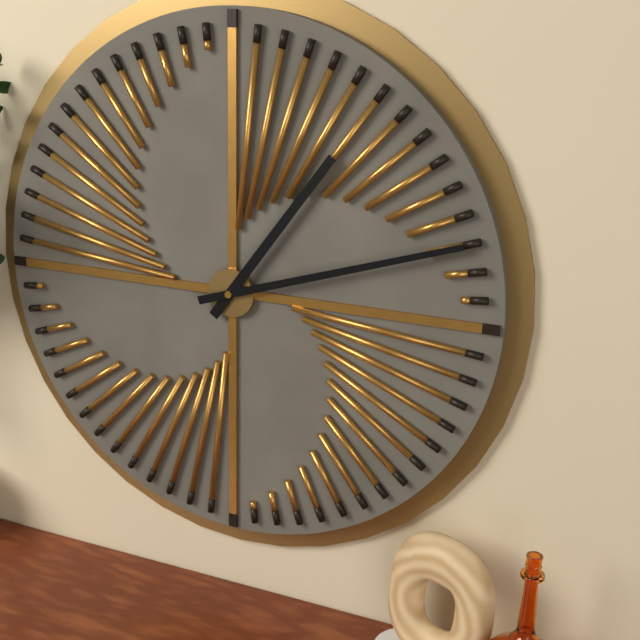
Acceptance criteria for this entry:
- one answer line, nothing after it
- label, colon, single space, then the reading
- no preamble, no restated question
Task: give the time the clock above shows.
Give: 1:12
